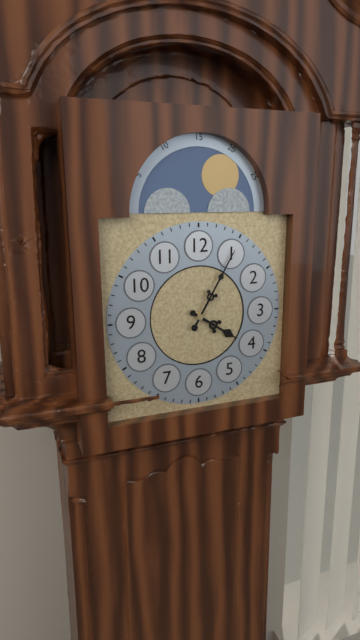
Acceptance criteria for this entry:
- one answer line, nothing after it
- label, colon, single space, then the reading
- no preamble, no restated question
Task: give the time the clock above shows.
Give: 4:05
